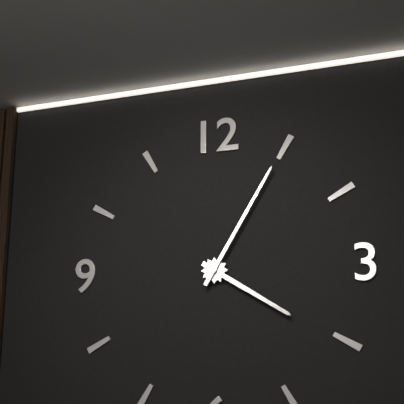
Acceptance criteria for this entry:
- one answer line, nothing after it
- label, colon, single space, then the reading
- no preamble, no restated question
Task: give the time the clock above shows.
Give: 4:05
